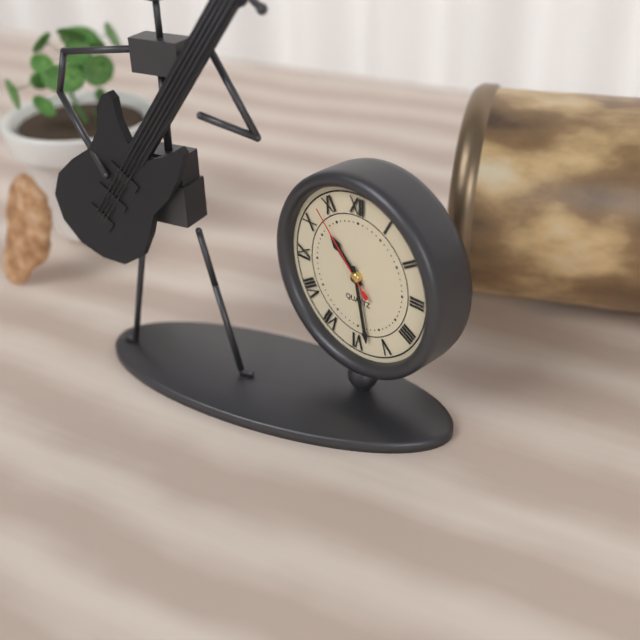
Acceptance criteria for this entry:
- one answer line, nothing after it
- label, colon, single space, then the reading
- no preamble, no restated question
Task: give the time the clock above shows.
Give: 10:28:53
